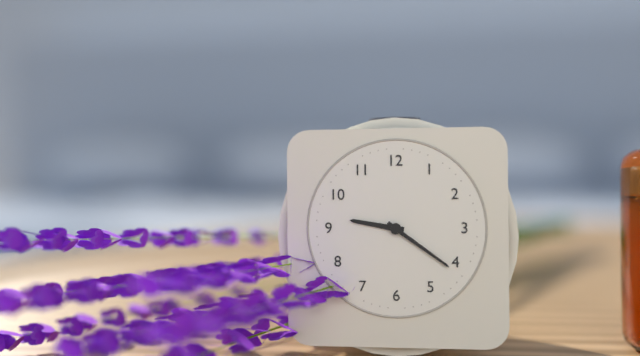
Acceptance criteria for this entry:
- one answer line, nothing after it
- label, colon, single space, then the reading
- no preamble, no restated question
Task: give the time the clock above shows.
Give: 9:21
